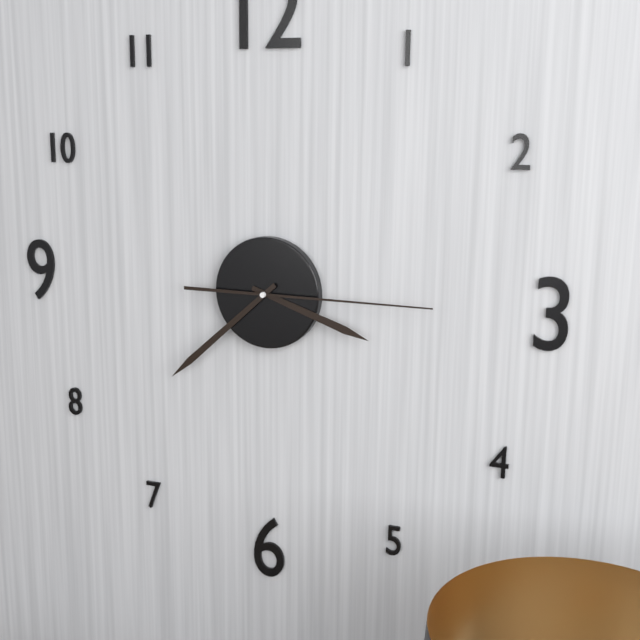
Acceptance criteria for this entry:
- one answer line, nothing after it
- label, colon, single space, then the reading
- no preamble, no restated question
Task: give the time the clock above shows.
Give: 3:38:15
